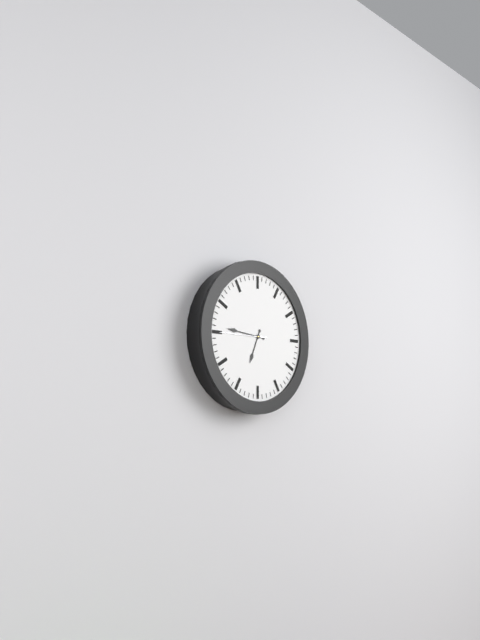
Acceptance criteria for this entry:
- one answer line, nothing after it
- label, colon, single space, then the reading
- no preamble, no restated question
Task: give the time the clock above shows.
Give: 6:46
